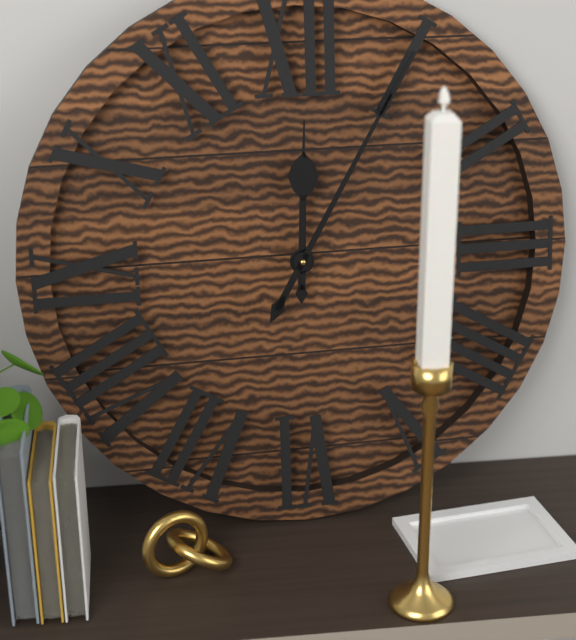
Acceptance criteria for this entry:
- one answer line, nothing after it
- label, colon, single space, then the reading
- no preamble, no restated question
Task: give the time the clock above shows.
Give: 12:05
